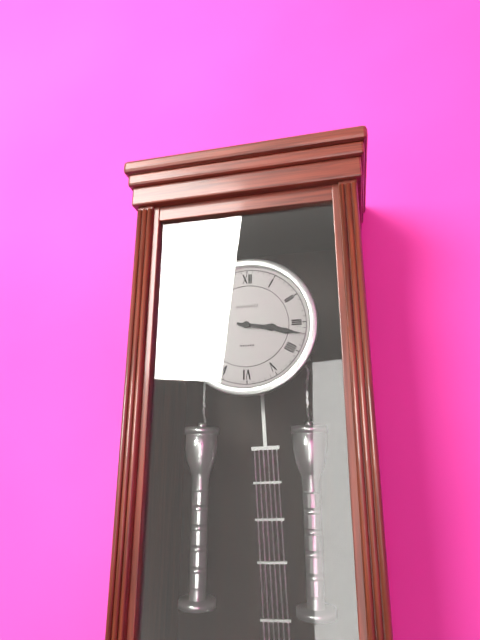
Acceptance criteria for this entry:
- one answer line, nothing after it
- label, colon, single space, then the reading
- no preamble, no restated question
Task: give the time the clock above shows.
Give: 3:17
